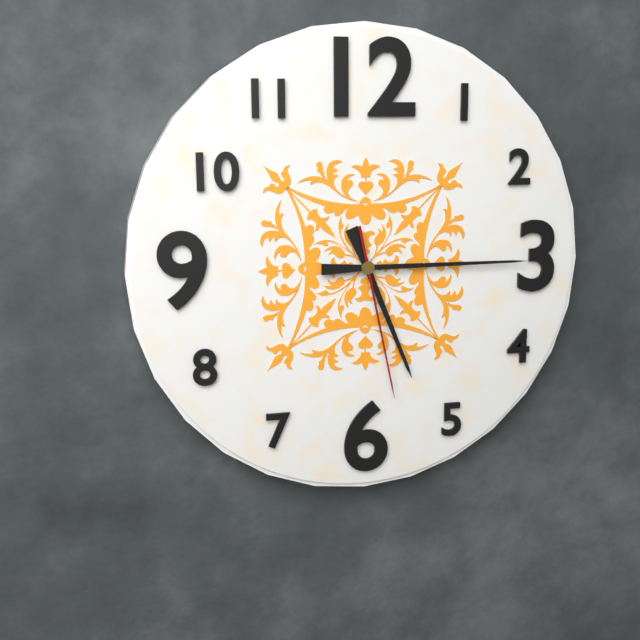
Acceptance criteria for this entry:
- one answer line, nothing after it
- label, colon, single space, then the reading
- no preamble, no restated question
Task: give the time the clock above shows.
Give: 5:15:28
